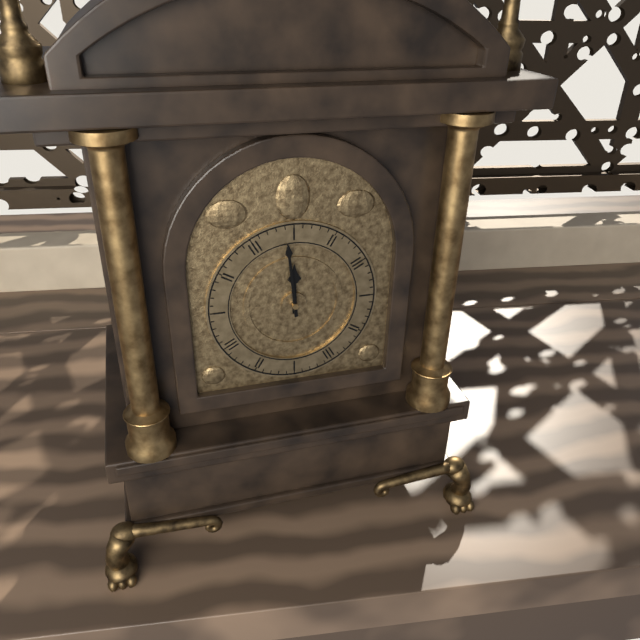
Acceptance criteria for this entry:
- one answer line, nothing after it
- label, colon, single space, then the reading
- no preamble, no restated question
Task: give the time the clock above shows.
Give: 11:59
